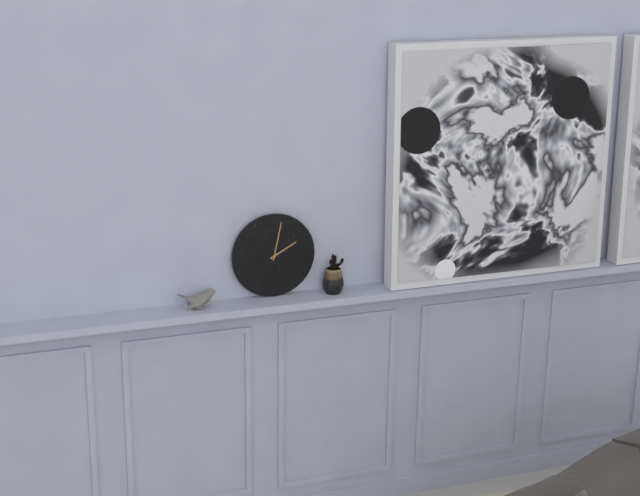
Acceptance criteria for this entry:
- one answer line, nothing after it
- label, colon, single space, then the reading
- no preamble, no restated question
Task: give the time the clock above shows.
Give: 2:02
